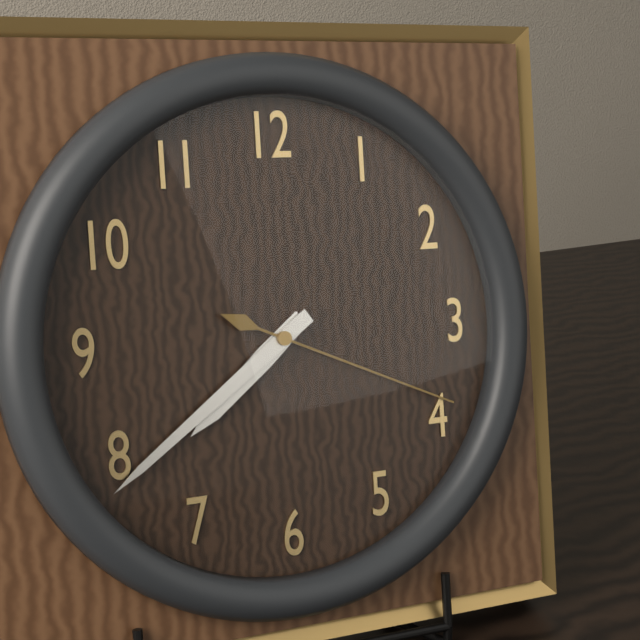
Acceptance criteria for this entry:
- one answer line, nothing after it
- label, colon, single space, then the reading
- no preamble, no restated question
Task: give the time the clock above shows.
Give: 7:39:19
